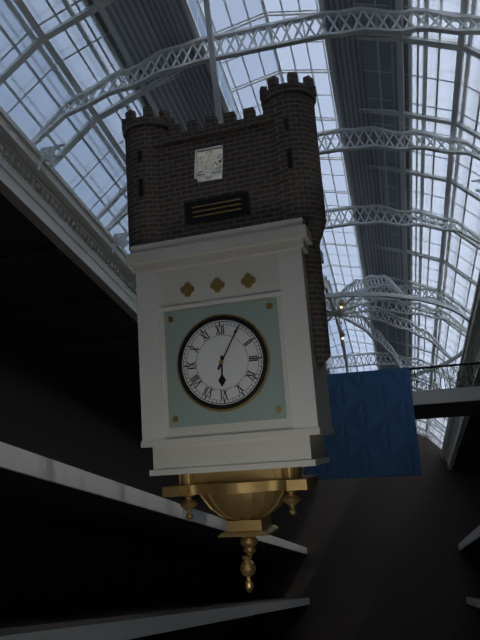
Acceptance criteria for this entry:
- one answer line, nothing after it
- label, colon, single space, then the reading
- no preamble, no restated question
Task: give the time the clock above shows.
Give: 6:05
